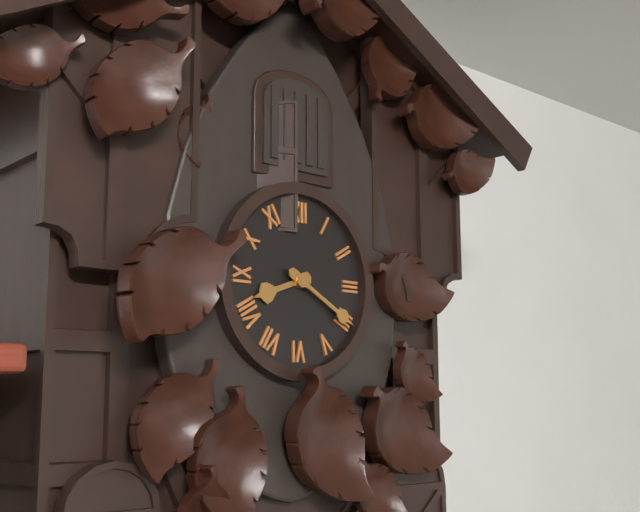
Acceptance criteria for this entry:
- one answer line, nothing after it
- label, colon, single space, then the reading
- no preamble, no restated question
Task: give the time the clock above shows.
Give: 8:20
